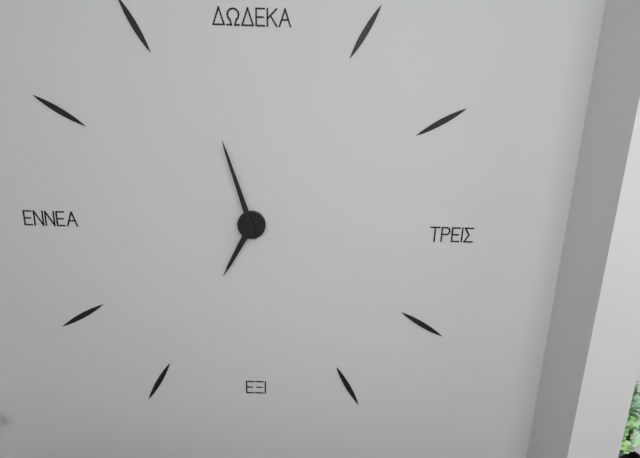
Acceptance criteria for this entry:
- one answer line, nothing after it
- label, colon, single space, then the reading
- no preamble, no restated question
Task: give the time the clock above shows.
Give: 6:57
